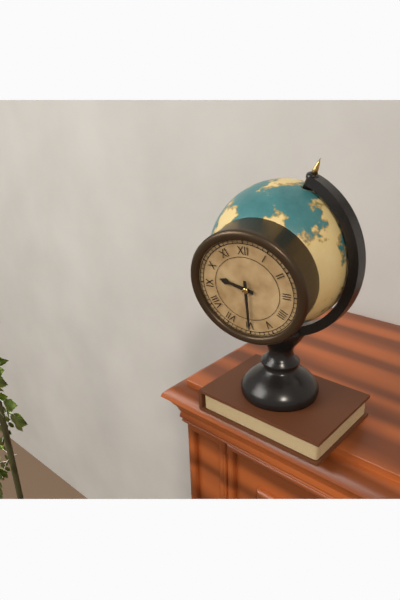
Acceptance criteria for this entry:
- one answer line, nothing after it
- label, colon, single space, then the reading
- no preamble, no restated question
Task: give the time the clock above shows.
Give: 9:30
